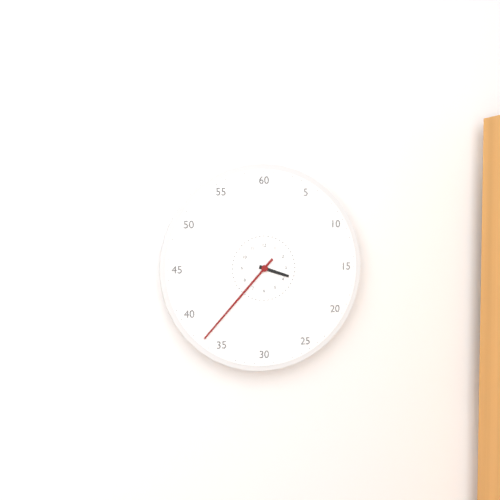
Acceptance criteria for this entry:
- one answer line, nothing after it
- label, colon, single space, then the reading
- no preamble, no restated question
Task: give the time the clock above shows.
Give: 3:37
